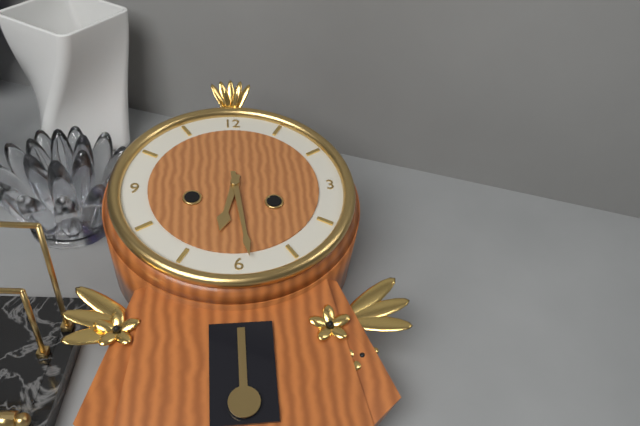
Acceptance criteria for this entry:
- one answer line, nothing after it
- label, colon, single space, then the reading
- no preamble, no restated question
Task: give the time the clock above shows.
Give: 6:29
